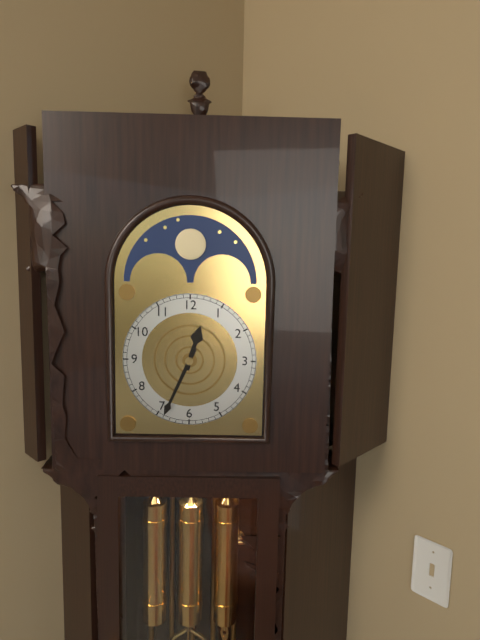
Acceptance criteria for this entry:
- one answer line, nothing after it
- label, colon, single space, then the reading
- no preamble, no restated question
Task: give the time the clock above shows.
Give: 12:34
